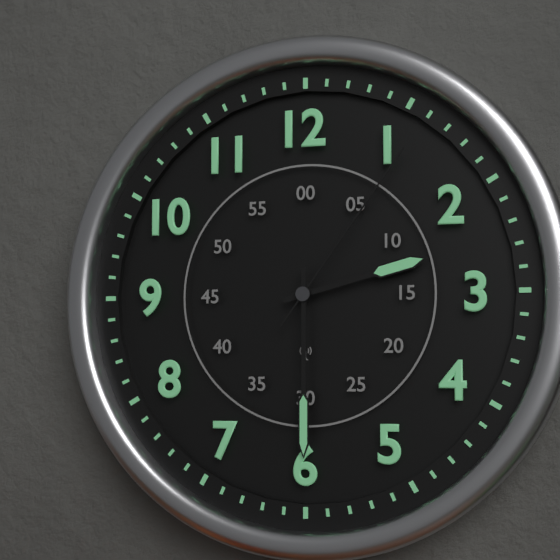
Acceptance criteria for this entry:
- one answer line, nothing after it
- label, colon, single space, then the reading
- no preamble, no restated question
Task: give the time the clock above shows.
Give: 2:30:06
